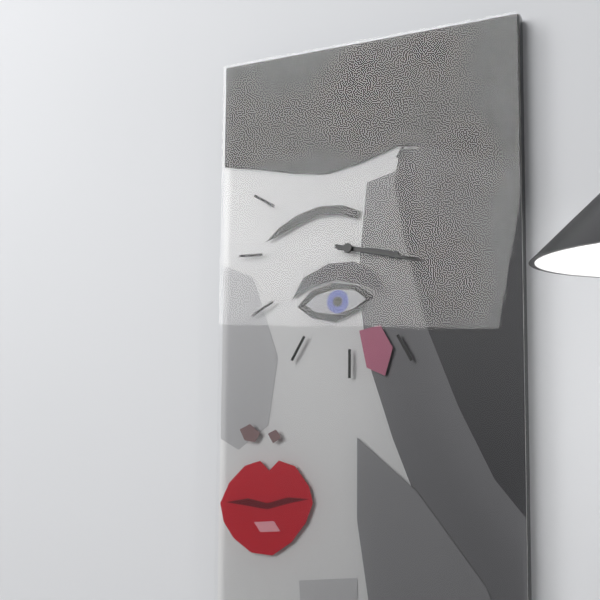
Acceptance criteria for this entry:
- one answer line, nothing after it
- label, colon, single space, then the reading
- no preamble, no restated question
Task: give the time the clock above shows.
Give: 3:17
